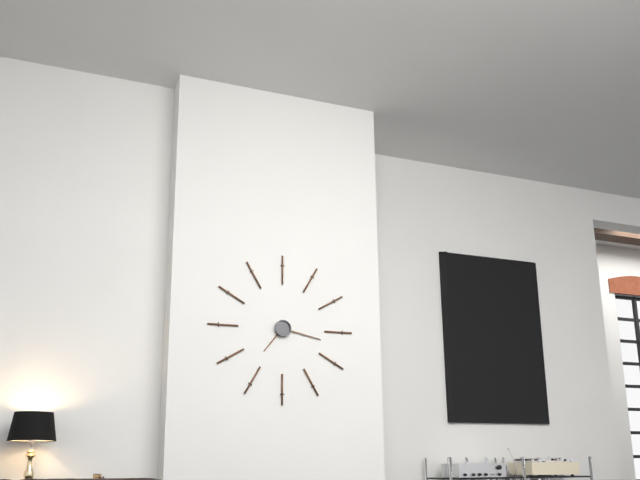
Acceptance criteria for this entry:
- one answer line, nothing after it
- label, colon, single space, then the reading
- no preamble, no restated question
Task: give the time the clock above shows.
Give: 7:17
